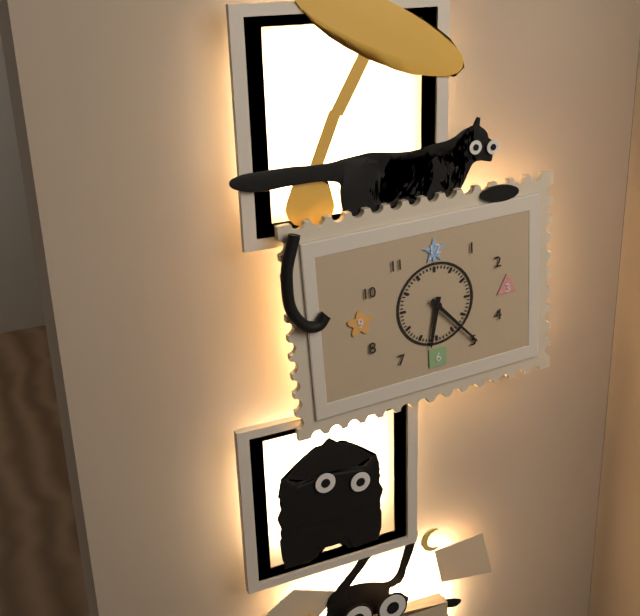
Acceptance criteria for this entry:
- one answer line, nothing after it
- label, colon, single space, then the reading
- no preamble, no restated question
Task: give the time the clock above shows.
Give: 6:23
